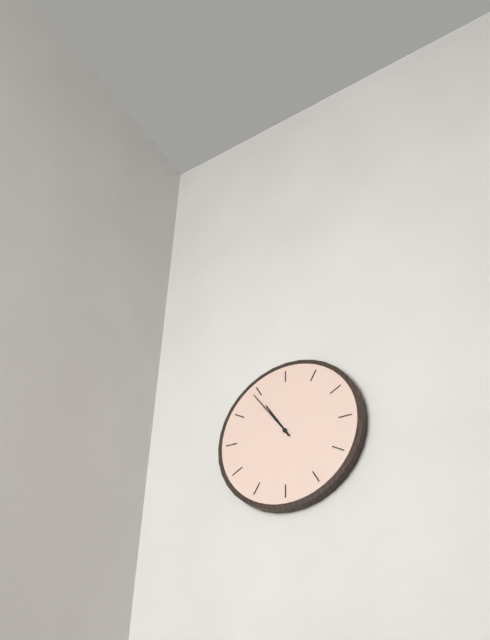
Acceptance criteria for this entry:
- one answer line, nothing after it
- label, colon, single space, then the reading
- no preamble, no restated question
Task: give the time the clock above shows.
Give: 10:54
